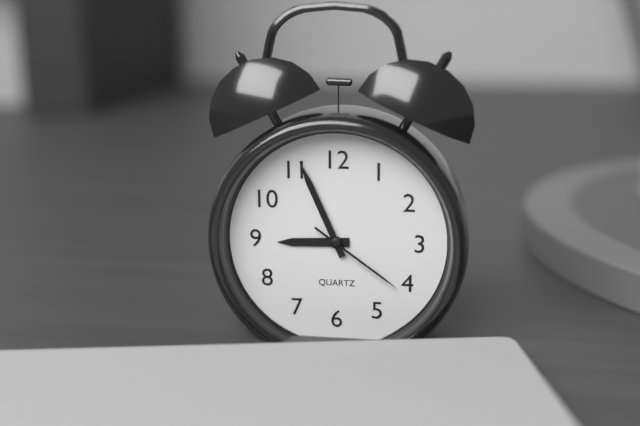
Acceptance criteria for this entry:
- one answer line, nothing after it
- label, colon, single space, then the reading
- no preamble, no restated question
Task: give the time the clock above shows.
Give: 8:56:21
